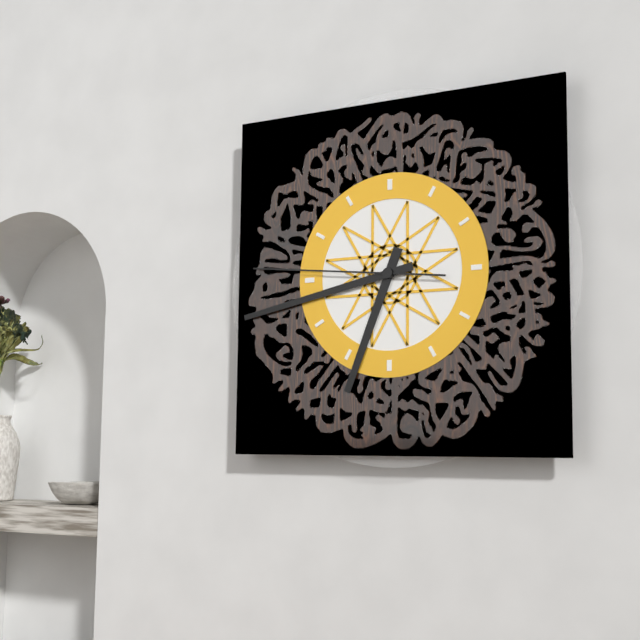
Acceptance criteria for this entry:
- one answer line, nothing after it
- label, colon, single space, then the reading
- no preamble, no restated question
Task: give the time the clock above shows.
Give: 6:43:46
